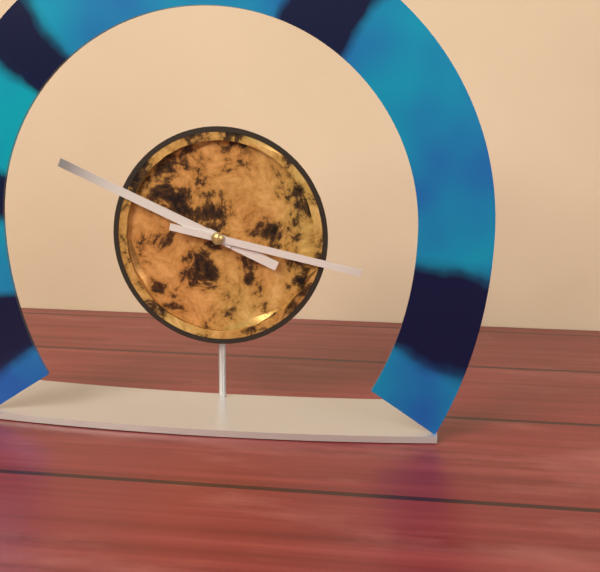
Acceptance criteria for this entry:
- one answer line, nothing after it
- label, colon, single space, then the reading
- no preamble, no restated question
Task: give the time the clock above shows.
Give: 3:49:17
